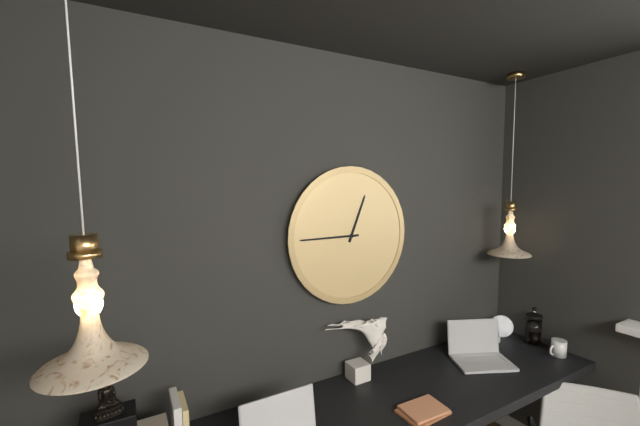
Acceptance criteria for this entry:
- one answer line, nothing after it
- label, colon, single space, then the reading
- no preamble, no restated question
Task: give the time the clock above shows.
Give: 12:45
